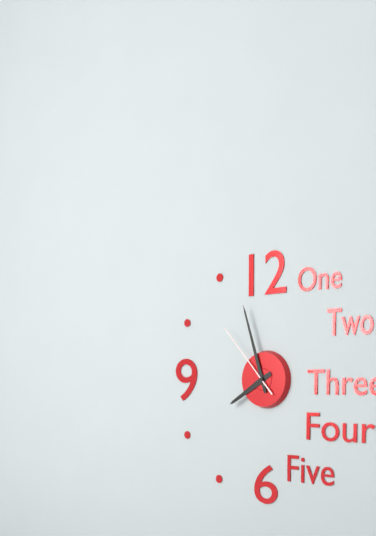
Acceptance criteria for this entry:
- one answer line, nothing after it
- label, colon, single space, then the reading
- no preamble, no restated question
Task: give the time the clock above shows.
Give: 7:57:53
